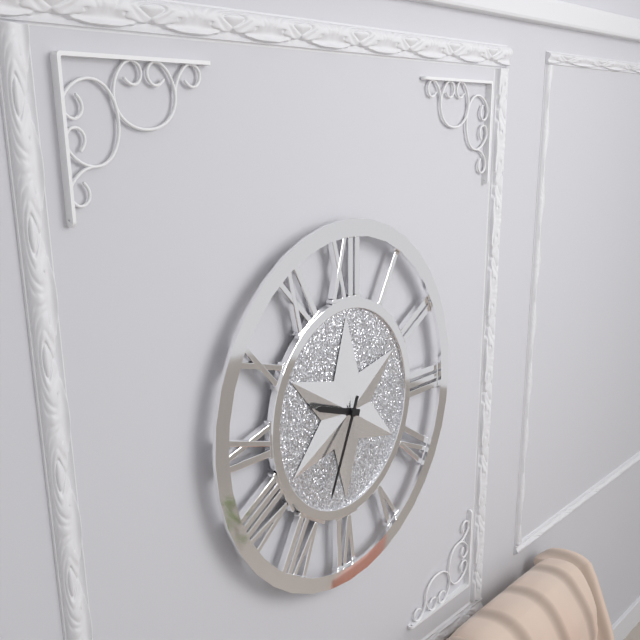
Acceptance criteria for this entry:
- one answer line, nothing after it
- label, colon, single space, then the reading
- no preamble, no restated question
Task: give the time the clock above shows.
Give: 9:34
